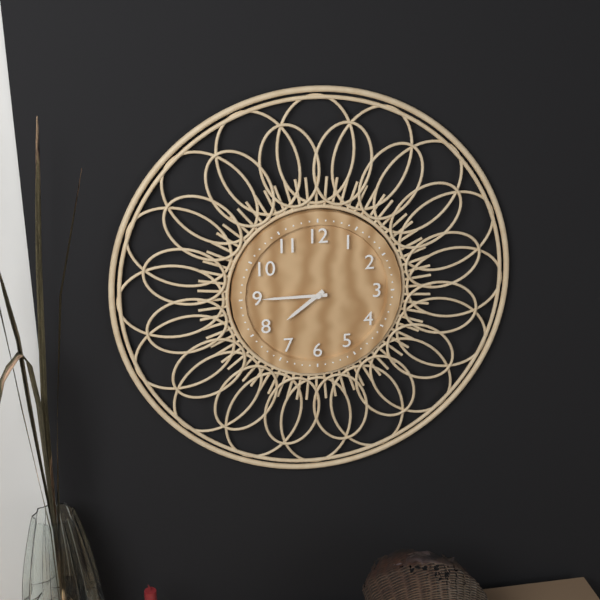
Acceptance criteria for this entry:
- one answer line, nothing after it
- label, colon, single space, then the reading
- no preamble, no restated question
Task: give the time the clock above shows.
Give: 7:45
